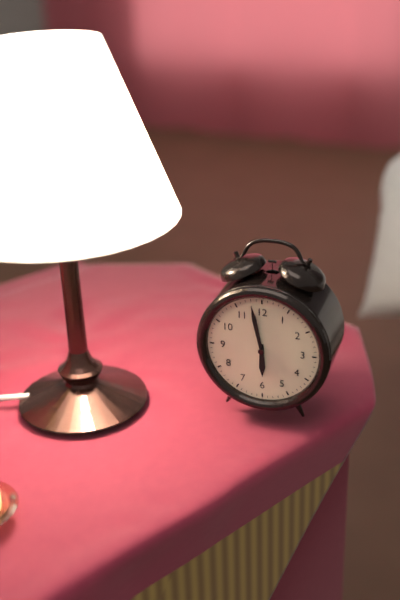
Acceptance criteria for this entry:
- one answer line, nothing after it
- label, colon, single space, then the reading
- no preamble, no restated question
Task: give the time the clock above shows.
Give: 5:58
